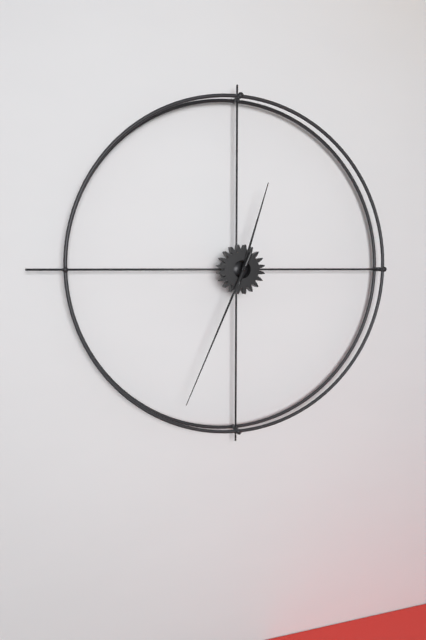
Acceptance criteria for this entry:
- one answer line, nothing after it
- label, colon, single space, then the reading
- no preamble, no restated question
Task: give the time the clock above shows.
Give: 12:34
